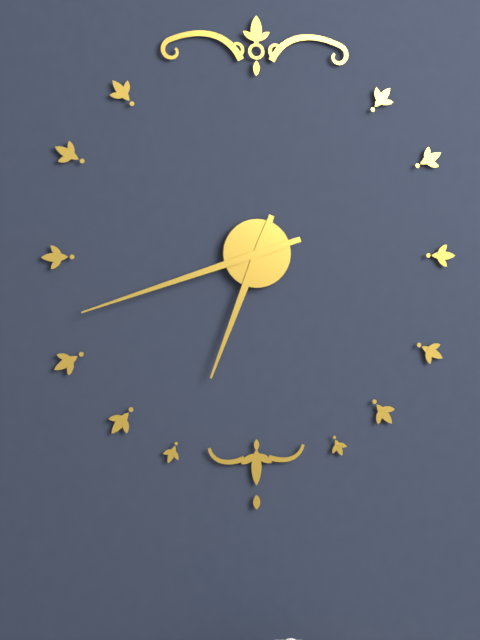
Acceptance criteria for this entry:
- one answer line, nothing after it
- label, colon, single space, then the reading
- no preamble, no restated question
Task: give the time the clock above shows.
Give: 6:42
